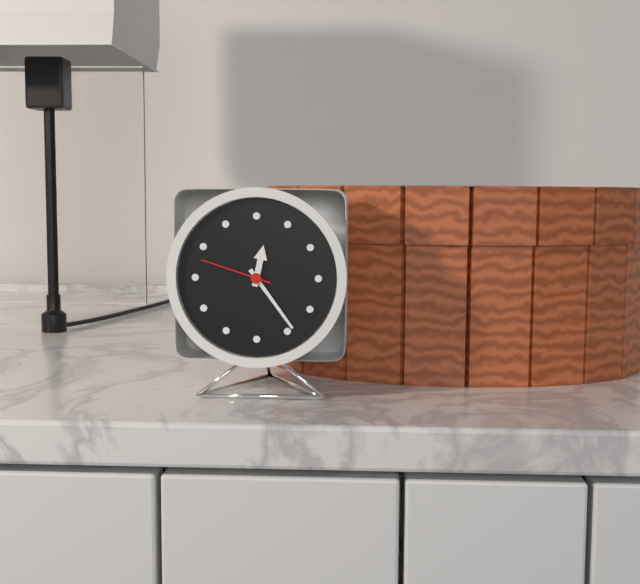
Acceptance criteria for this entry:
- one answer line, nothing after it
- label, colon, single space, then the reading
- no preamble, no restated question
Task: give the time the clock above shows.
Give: 12:24:48
